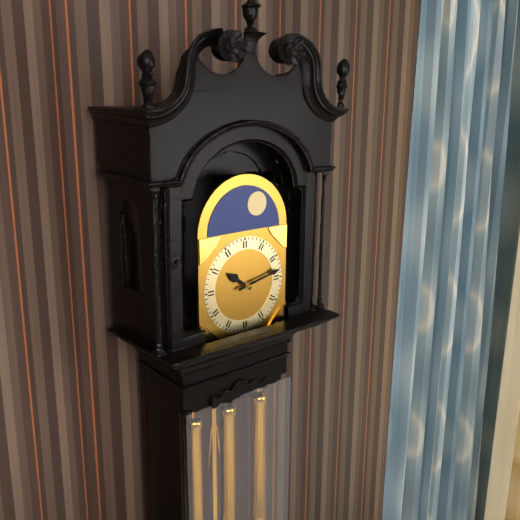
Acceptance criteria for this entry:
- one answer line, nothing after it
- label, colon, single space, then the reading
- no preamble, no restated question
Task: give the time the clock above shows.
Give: 10:13
